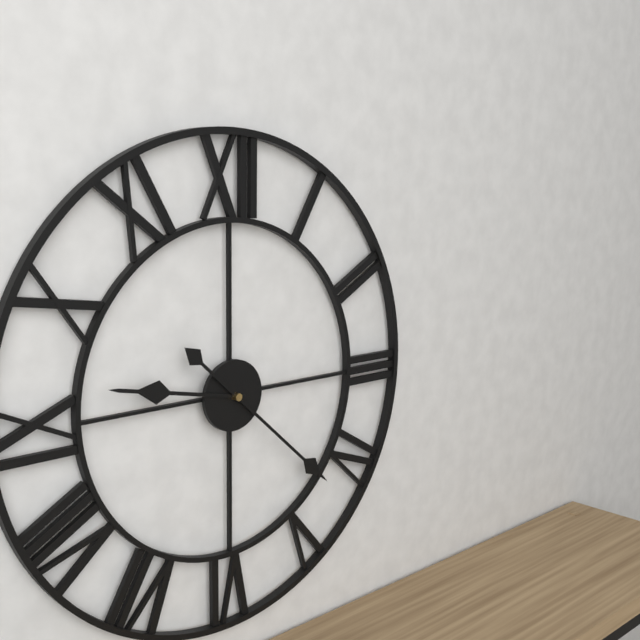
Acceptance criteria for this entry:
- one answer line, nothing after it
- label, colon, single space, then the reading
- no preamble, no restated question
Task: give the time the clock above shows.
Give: 9:22
